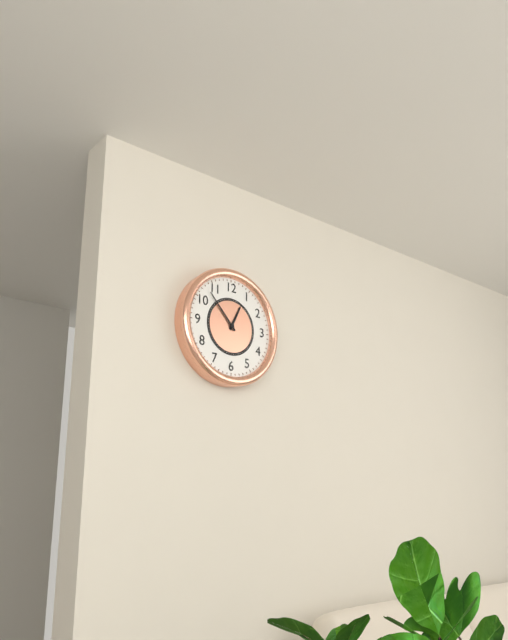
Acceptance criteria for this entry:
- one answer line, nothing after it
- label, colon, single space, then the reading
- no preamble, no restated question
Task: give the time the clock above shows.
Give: 12:53
